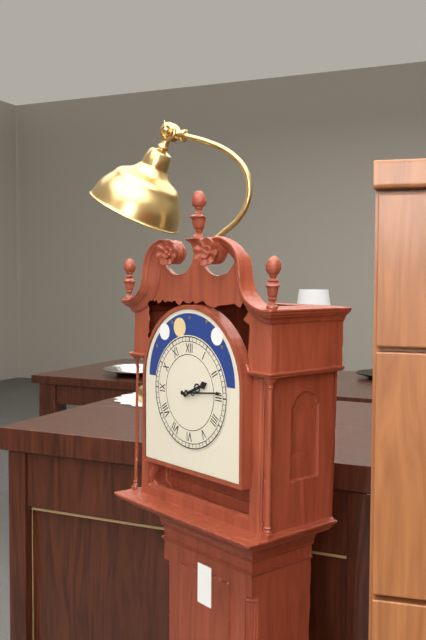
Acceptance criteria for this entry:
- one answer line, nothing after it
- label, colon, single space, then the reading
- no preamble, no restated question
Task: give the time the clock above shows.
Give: 2:14
